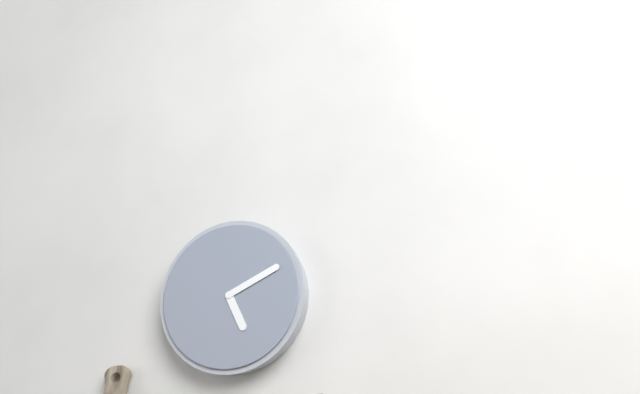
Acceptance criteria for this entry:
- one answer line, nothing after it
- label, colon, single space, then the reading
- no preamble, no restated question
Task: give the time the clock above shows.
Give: 5:11
